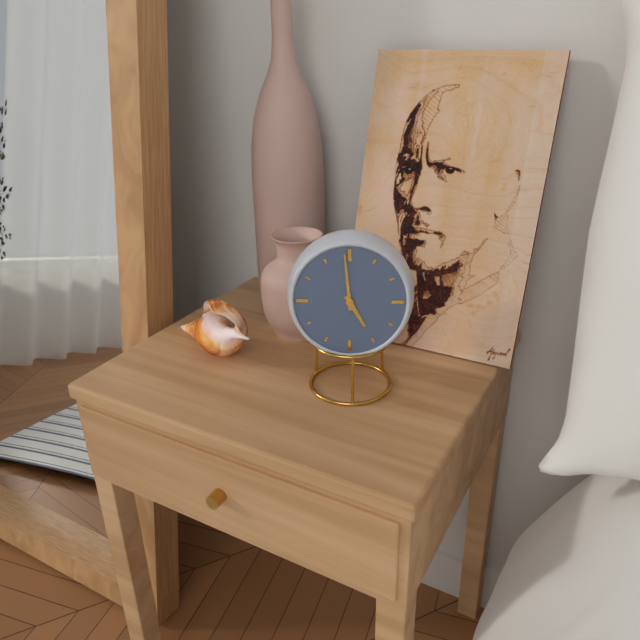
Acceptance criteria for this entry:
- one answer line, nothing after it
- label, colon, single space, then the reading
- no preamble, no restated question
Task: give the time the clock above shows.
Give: 4:59
